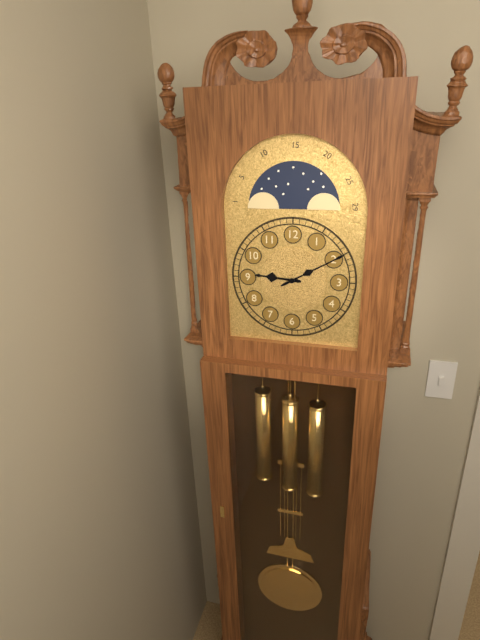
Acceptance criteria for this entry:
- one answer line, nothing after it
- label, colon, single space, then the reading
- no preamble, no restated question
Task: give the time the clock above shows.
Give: 9:10
